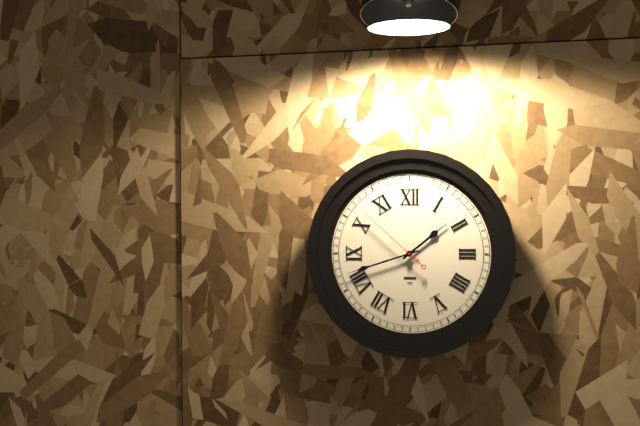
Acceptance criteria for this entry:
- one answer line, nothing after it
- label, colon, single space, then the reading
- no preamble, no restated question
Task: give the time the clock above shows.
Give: 1:42:52
